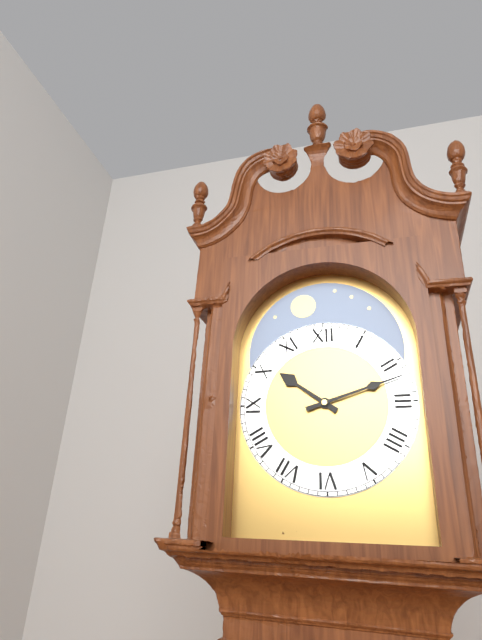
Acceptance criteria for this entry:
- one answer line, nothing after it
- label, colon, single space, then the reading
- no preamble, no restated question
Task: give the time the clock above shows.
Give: 10:12
